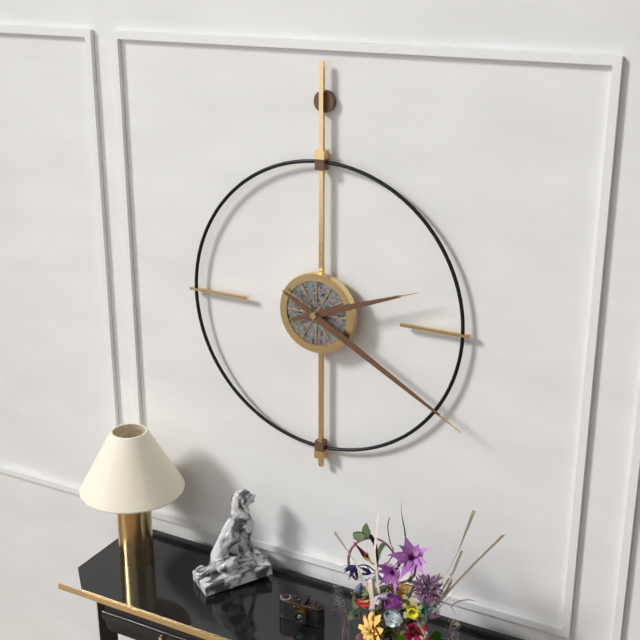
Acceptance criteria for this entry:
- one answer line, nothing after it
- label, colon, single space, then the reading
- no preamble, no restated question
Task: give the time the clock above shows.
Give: 2:20
